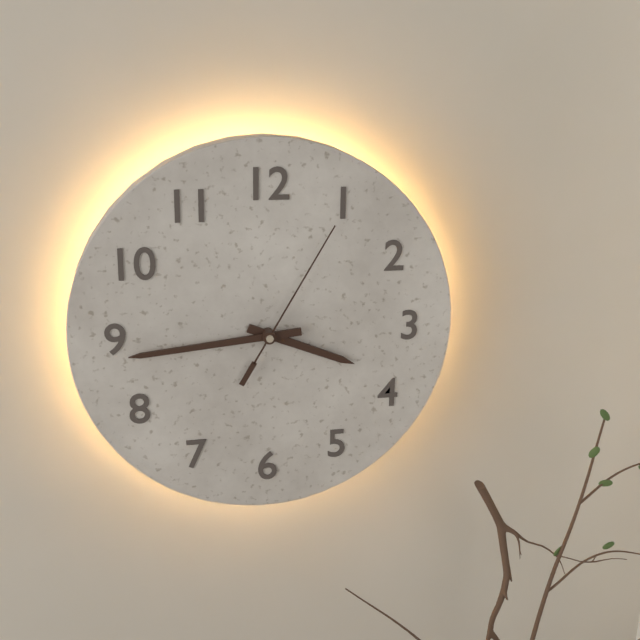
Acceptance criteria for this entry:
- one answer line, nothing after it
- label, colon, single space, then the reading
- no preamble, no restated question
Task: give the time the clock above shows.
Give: 3:44:05
